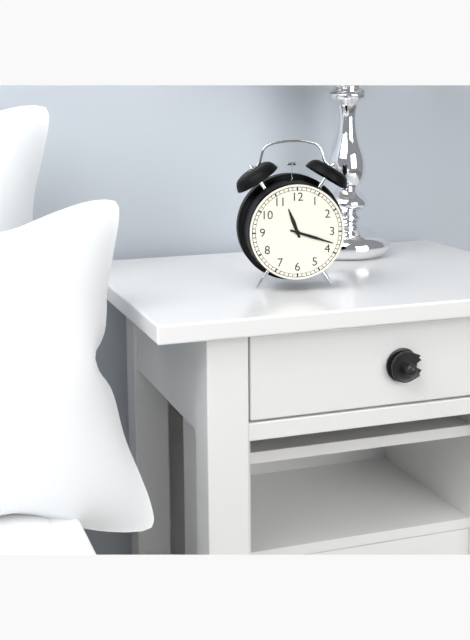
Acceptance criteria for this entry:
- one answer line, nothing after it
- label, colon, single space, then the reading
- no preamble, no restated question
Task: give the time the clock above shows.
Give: 11:18
